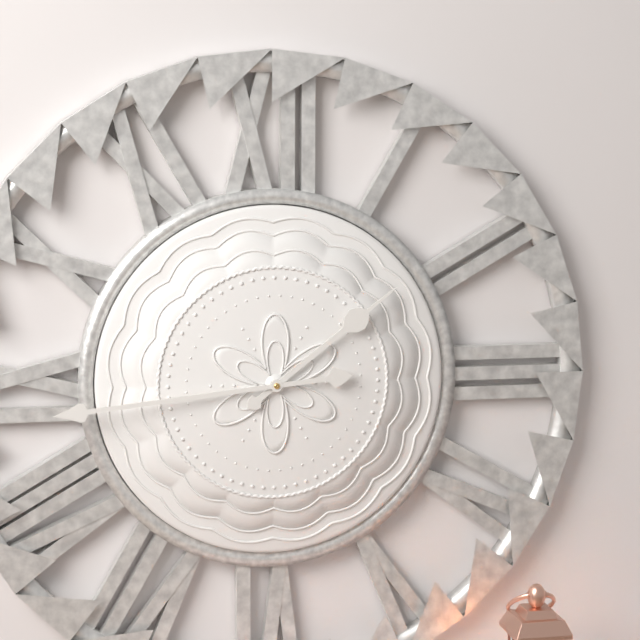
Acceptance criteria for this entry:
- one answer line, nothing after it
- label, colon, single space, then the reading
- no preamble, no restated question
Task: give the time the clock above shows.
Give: 1:44
